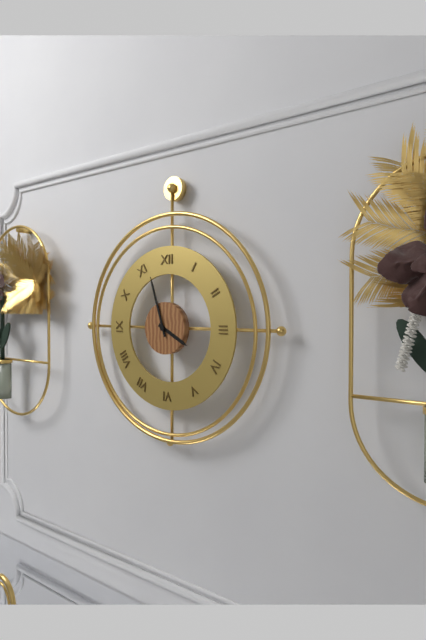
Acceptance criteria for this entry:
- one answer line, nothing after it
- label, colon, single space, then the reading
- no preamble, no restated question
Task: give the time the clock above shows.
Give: 3:57
